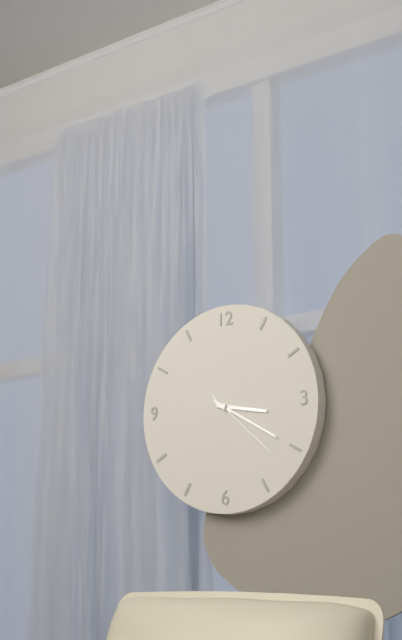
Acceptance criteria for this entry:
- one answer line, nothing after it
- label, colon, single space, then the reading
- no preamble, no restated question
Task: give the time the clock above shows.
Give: 3:20:22
